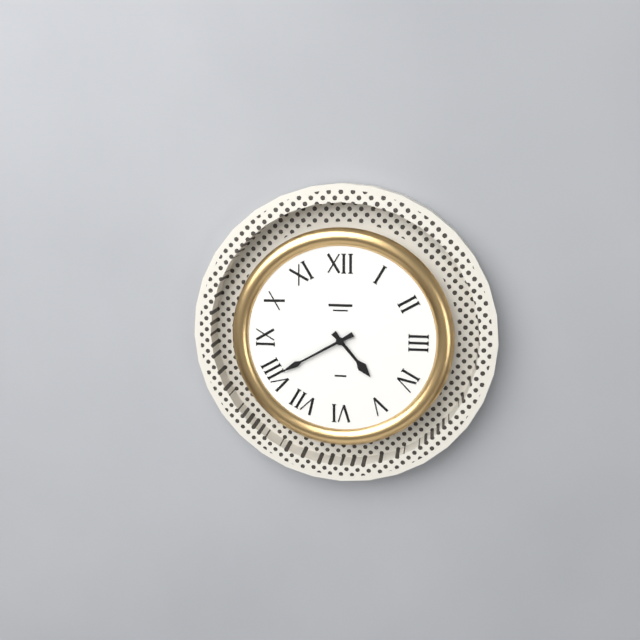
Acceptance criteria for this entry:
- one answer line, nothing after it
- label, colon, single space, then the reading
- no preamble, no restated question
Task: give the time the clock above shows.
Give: 4:40
